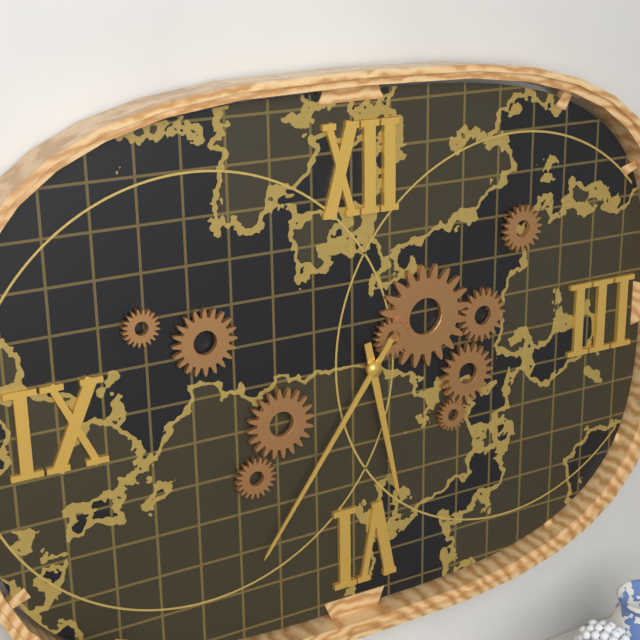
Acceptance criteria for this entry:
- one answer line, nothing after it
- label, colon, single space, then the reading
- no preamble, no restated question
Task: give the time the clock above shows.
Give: 5:36
